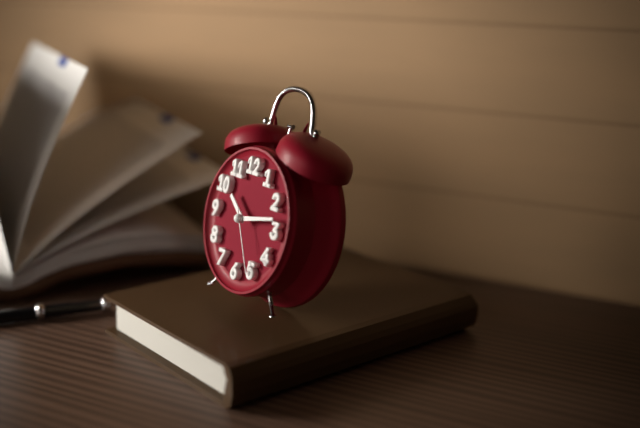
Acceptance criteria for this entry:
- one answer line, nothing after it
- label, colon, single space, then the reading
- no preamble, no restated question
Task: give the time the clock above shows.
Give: 10:13:25
